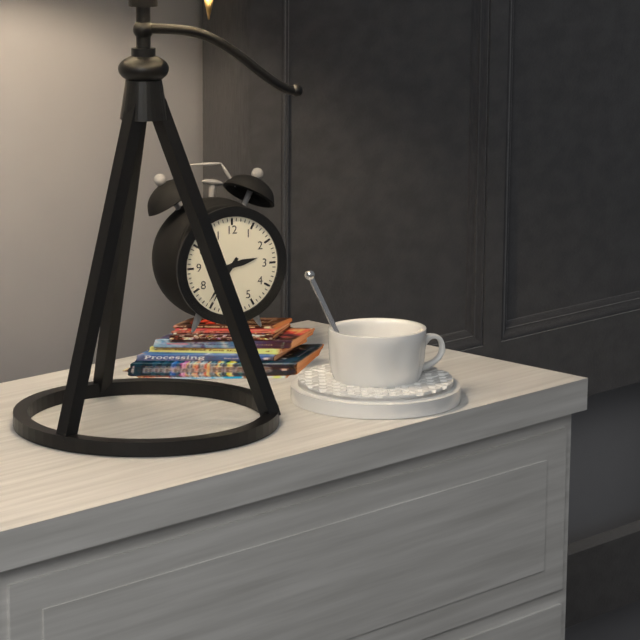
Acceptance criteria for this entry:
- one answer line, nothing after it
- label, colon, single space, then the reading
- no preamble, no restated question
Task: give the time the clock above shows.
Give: 2:36
